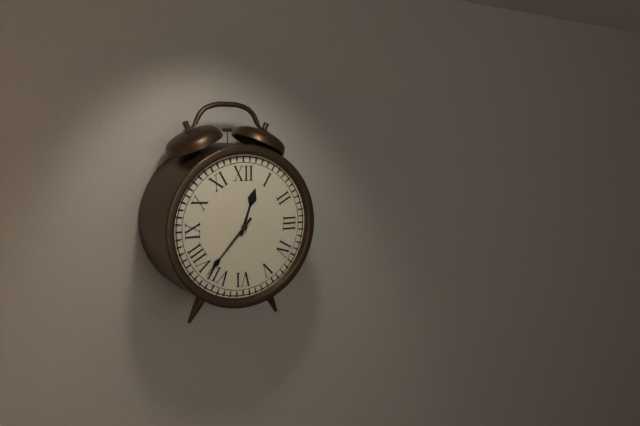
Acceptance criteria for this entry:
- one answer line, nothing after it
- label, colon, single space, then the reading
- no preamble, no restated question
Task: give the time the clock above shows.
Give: 12:37
